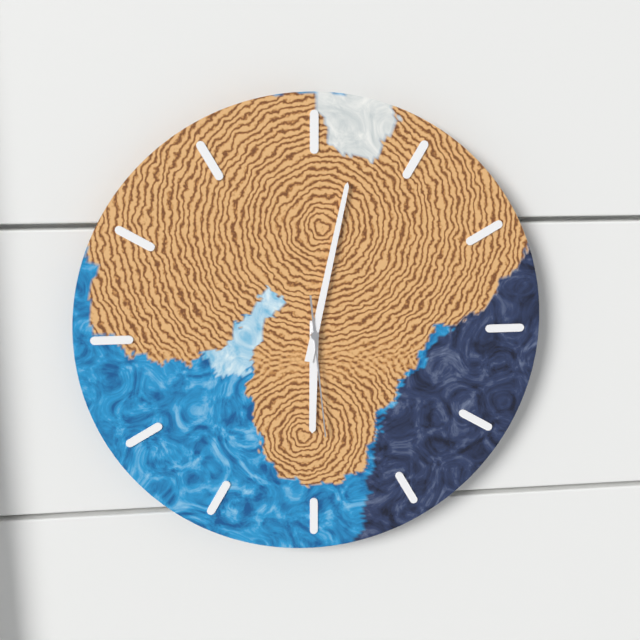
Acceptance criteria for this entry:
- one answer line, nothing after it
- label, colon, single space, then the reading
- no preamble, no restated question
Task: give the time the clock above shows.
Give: 6:02:29
